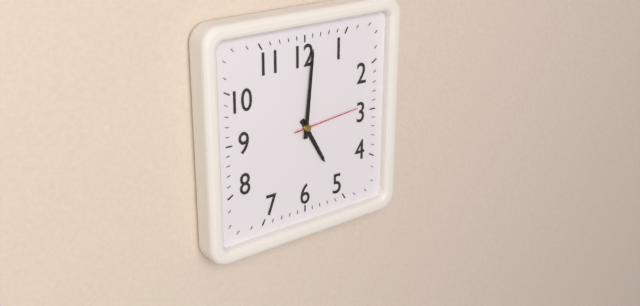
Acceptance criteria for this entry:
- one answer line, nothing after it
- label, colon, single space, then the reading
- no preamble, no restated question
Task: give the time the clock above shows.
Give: 5:01:14
